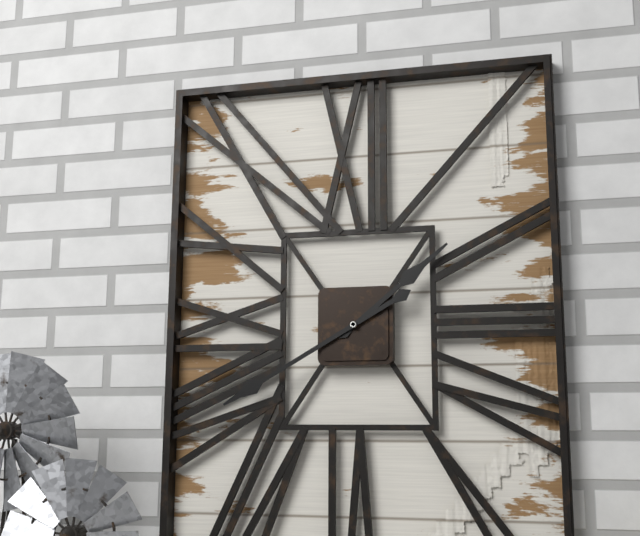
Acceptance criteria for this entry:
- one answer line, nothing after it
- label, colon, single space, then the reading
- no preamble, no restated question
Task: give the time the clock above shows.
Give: 1:40
